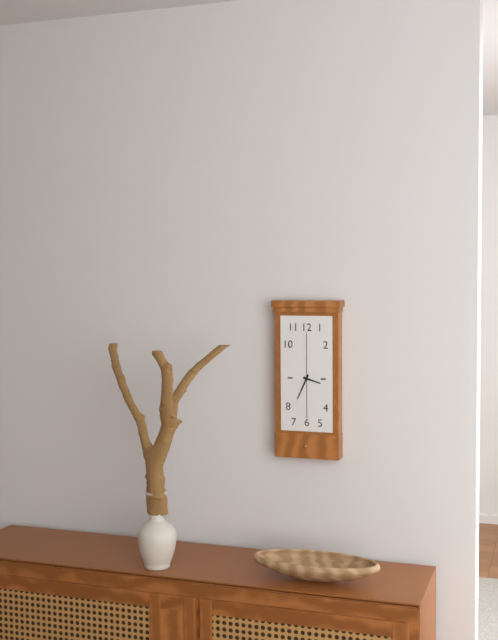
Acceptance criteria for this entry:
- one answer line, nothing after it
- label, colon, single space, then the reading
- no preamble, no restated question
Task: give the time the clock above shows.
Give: 3:34
